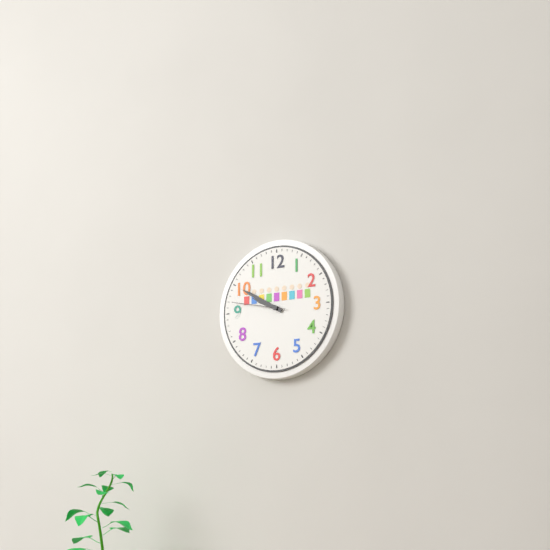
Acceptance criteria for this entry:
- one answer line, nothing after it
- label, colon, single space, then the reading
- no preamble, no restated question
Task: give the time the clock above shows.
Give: 9:50:47
